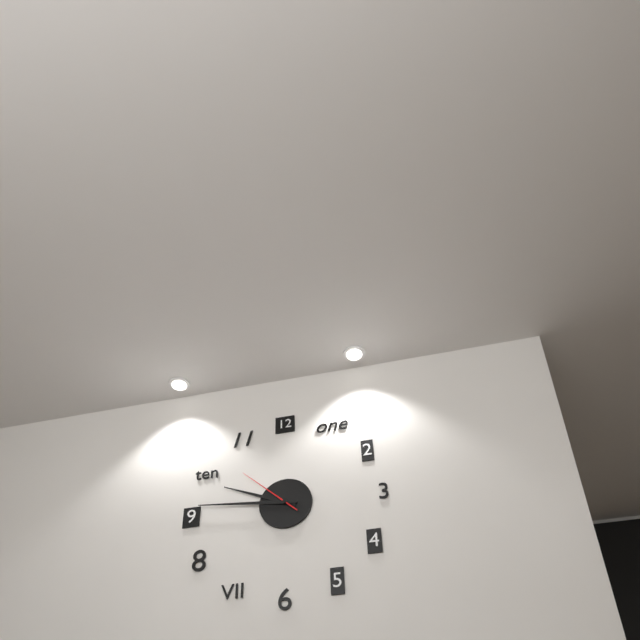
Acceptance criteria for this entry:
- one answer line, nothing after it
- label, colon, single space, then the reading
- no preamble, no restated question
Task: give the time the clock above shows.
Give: 9:46:52
